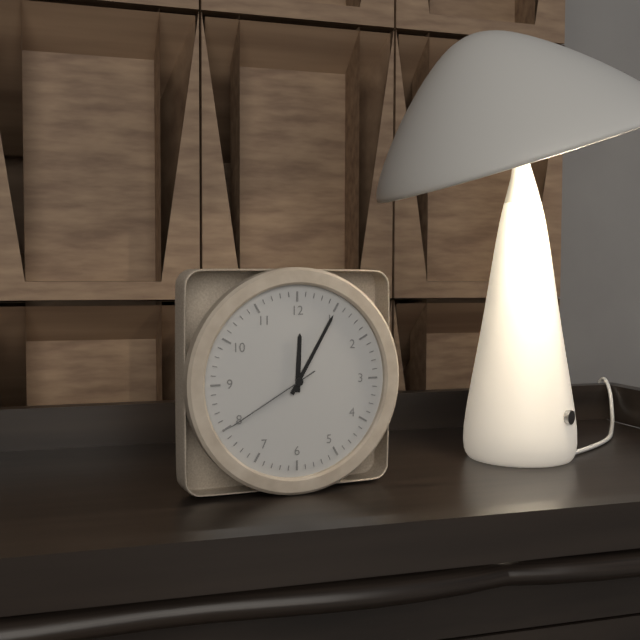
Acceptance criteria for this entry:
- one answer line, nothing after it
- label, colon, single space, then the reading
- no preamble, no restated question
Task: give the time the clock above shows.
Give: 12:05:40
